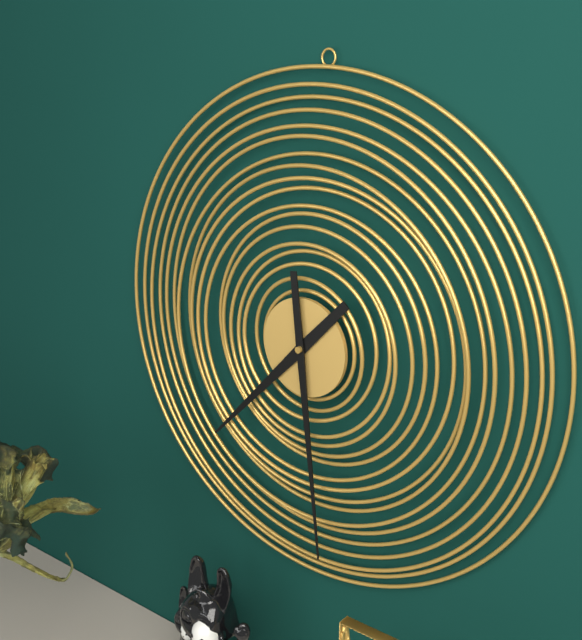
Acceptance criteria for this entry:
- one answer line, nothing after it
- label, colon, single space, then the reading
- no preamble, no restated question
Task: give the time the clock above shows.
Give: 7:29
